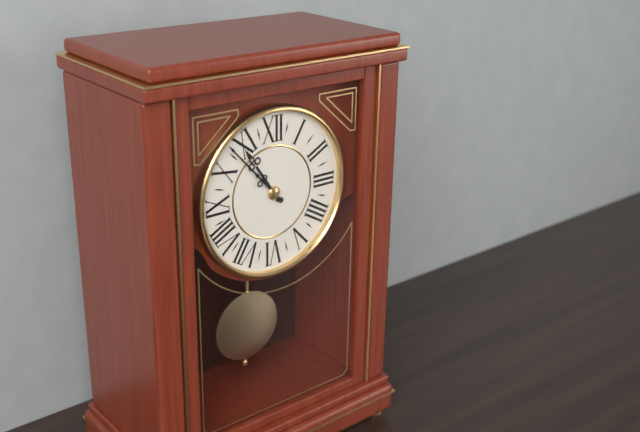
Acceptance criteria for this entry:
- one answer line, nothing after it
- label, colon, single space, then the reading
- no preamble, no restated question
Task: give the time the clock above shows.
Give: 10:53
